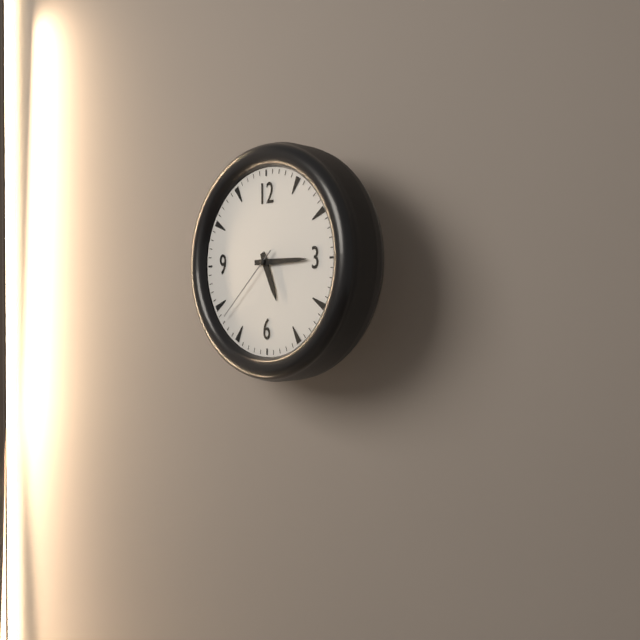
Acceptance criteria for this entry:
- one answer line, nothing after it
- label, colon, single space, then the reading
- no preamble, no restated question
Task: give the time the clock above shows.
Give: 5:15:38
